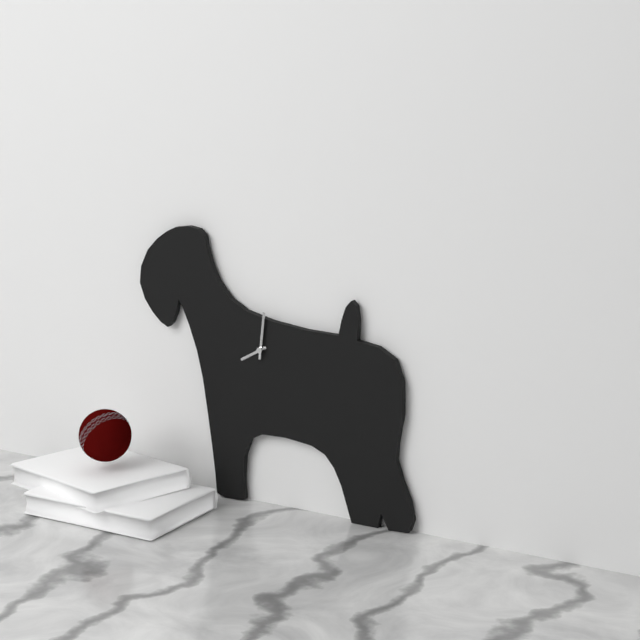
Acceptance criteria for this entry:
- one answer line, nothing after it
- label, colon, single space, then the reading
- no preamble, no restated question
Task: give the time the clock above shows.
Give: 8:01
